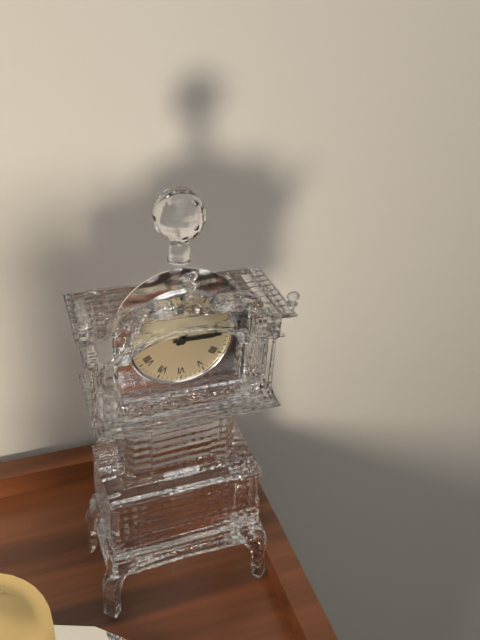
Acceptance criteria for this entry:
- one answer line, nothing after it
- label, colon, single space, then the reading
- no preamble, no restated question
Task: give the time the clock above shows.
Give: 1:15
